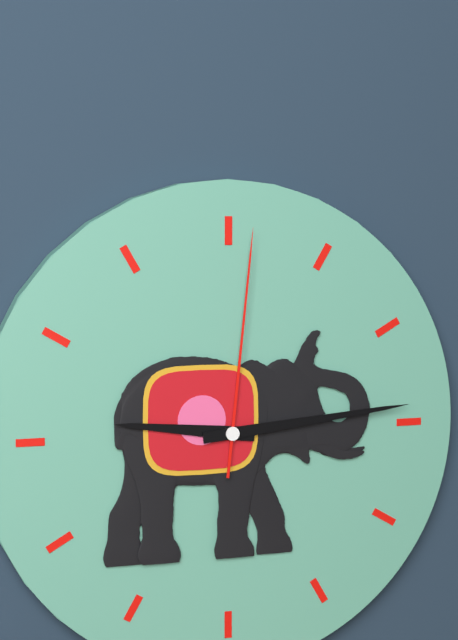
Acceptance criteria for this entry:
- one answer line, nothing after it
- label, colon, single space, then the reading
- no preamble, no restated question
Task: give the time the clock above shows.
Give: 9:14:01
